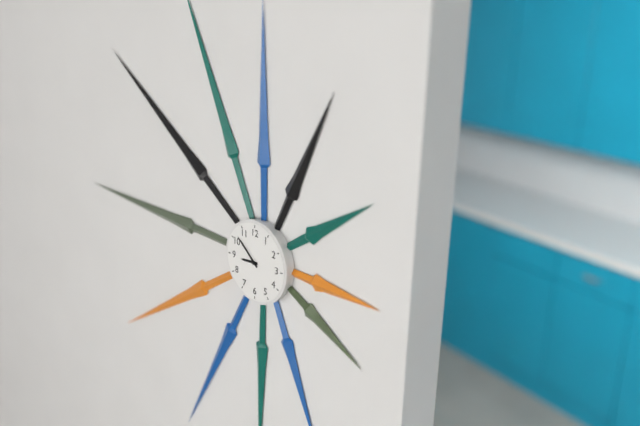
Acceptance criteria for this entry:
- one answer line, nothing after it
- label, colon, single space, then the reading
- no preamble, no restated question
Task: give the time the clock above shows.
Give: 8:52
